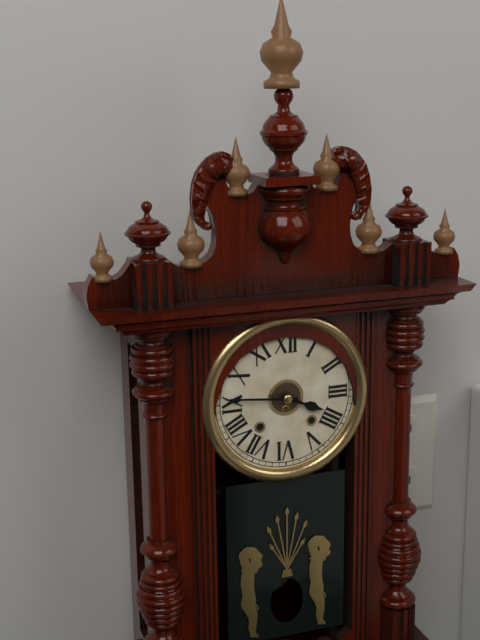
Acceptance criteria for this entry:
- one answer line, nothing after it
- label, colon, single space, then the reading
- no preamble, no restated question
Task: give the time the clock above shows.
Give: 3:46
